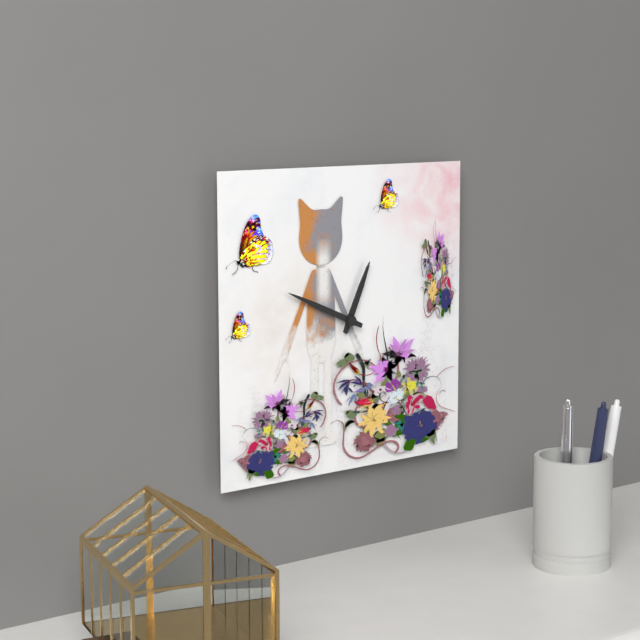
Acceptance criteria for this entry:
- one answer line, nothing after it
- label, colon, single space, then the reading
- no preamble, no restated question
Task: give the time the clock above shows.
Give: 12:49
